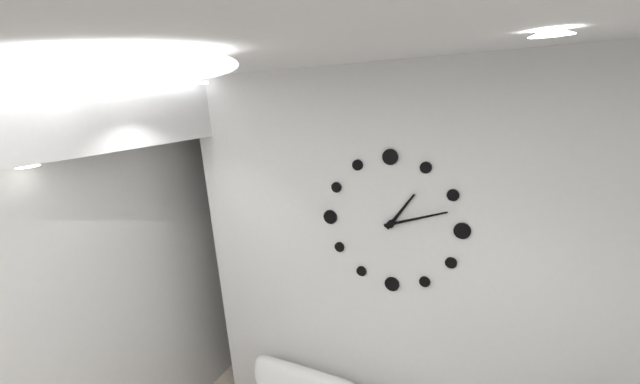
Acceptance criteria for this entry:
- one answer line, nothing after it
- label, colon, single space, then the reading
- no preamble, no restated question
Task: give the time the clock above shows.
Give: 1:12
